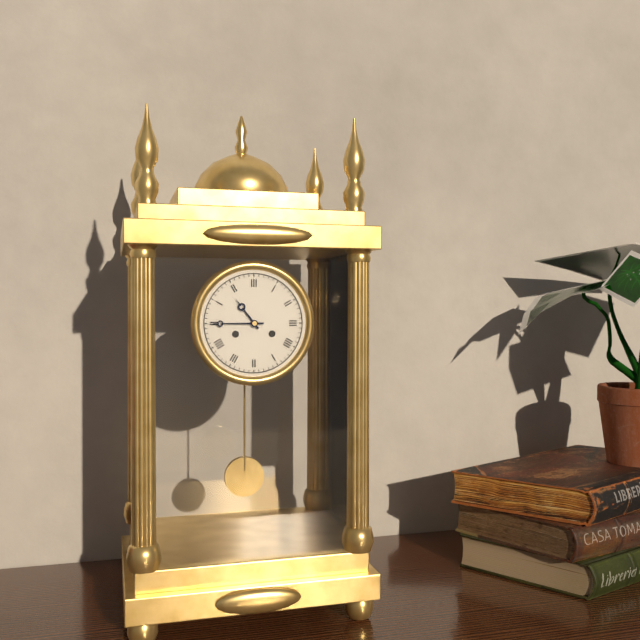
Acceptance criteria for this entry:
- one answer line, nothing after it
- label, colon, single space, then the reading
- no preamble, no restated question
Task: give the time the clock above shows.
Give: 10:45
